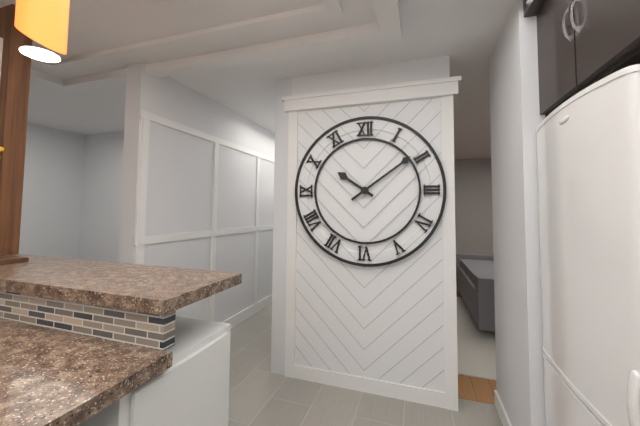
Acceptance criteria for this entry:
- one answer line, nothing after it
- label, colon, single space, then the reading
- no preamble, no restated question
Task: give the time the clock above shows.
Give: 10:09
